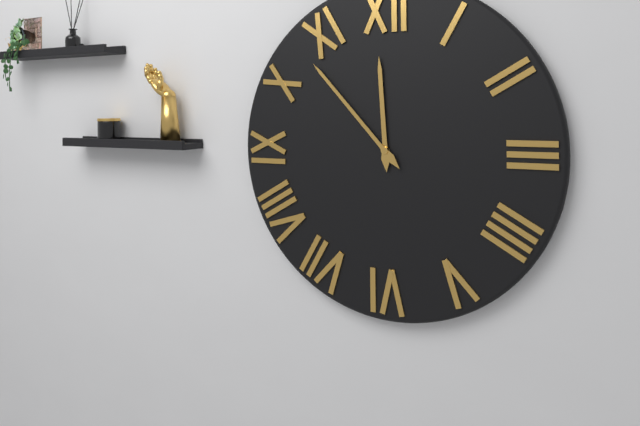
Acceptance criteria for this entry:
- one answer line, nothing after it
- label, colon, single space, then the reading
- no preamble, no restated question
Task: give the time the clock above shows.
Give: 11:53
